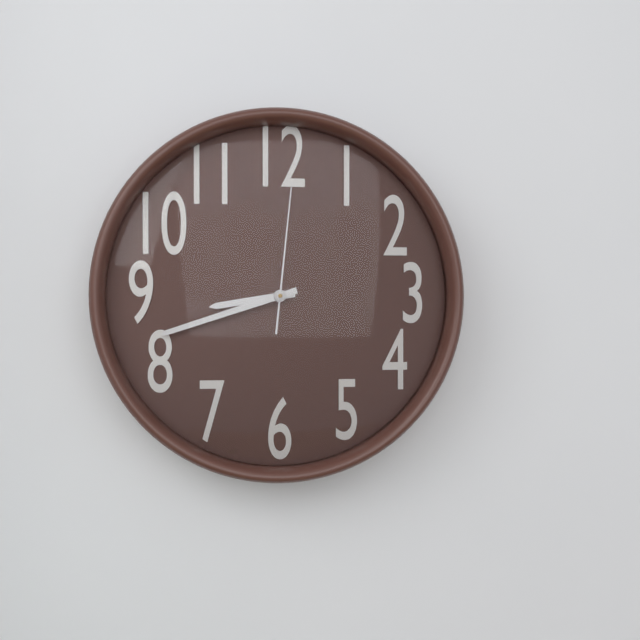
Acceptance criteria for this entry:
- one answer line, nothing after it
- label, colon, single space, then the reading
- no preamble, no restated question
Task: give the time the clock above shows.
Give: 8:42:01
